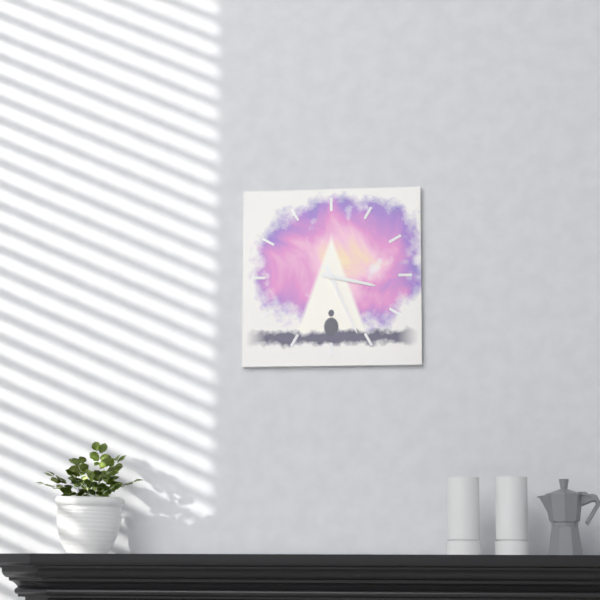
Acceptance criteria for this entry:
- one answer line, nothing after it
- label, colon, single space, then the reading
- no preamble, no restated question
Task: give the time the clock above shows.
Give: 3:26
